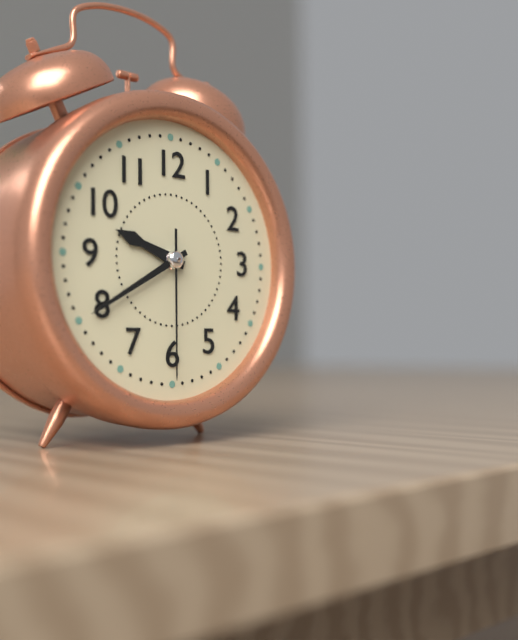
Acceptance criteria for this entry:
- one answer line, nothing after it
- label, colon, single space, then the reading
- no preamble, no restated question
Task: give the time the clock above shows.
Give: 9:40:30
